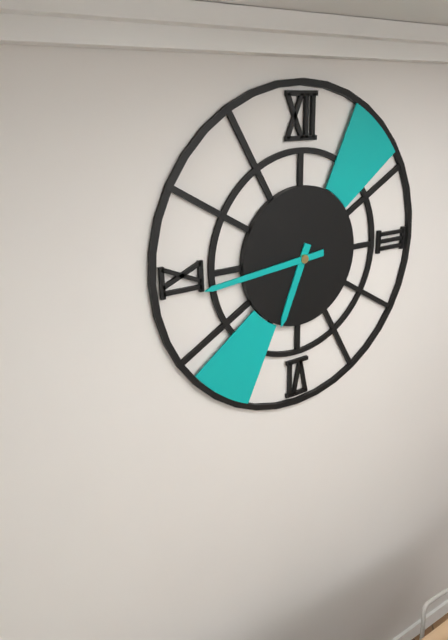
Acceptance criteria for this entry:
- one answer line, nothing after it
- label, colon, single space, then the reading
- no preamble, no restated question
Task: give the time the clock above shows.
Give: 6:44
